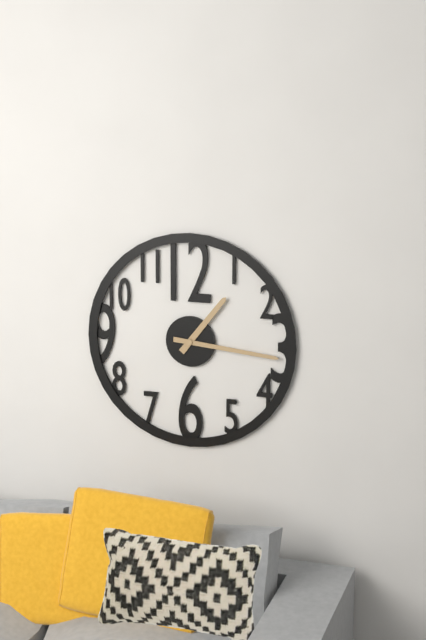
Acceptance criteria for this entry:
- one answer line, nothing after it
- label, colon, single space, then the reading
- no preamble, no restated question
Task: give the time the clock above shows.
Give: 1:16
